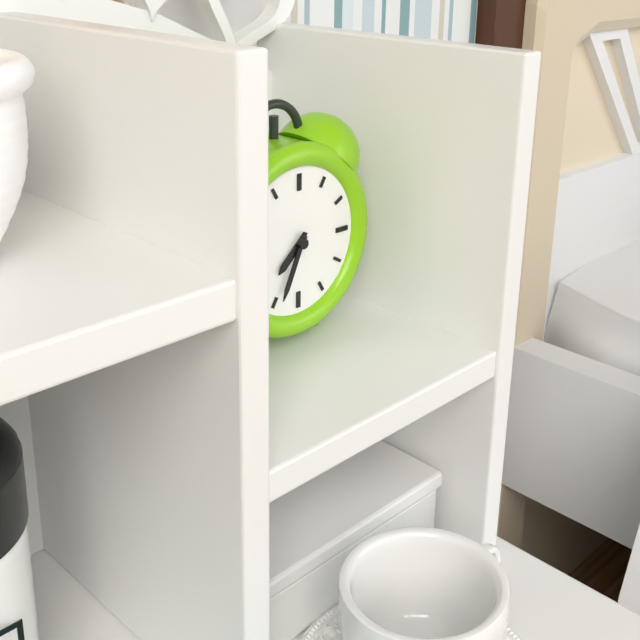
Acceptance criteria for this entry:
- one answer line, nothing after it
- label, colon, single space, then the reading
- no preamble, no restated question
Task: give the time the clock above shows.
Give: 7:34
